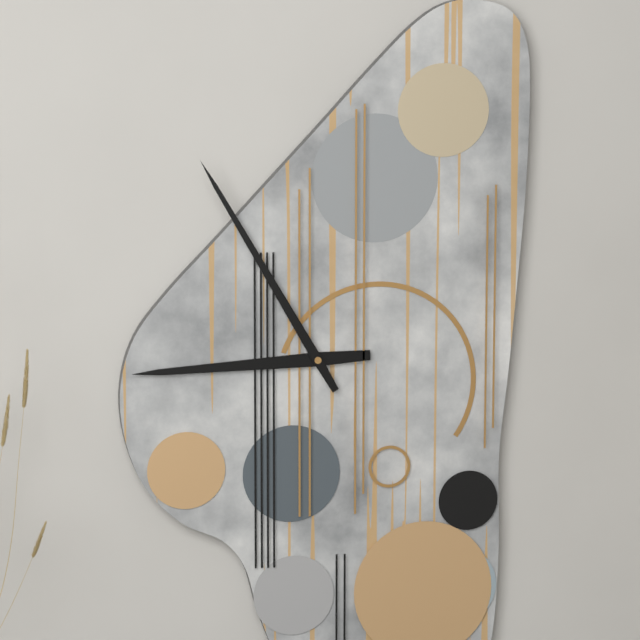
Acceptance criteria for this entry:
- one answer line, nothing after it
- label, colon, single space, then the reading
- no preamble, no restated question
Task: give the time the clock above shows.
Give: 8:55
